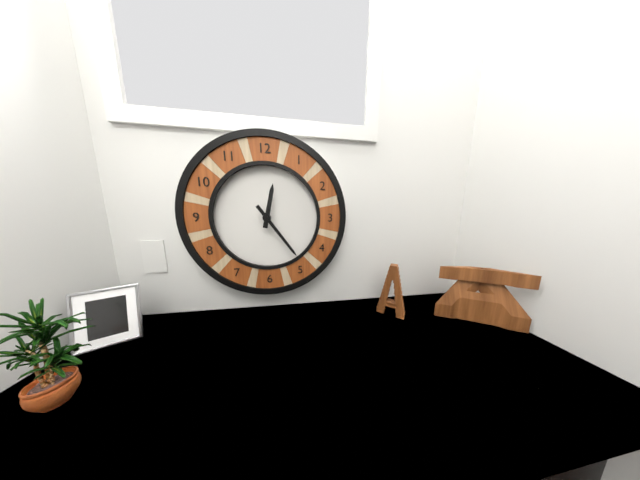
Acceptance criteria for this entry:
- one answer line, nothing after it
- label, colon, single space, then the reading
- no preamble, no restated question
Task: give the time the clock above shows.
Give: 12:24
